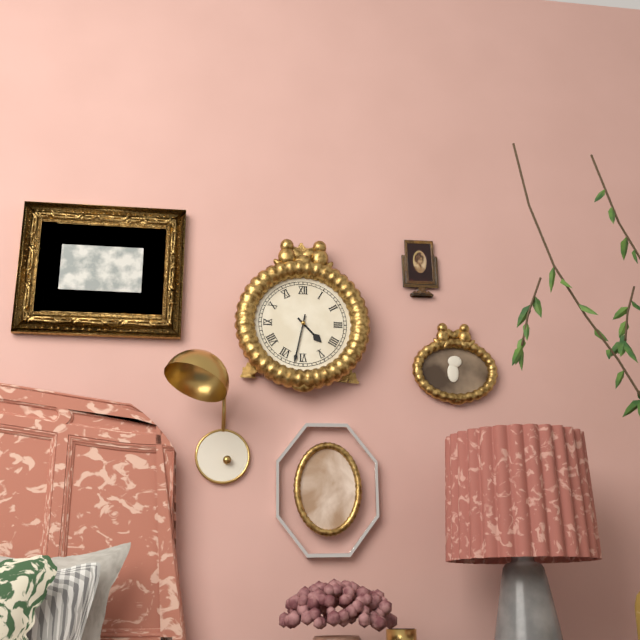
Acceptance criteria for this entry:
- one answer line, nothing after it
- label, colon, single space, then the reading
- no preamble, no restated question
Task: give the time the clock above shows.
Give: 4:32
